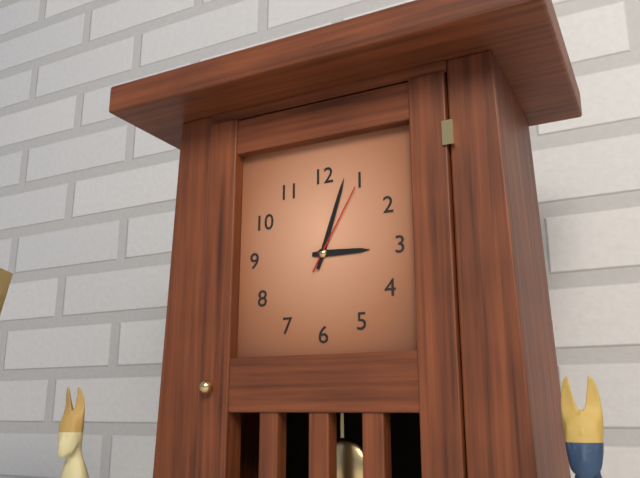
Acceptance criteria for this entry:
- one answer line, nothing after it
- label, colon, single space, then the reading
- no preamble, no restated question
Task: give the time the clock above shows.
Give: 3:03:05
